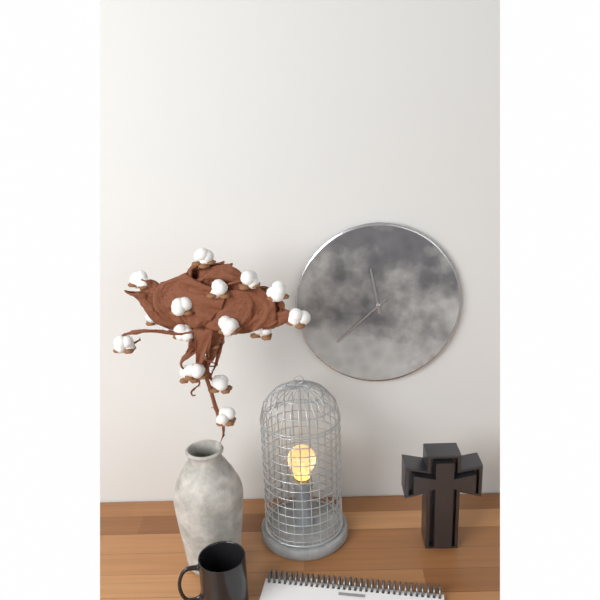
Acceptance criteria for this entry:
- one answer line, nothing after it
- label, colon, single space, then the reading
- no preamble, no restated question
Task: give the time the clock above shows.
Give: 11:38
